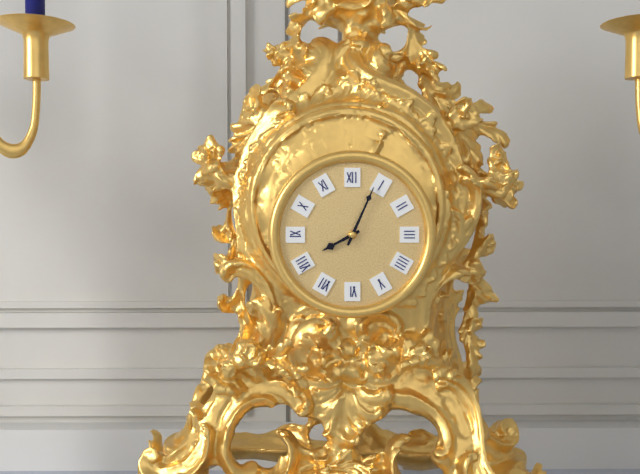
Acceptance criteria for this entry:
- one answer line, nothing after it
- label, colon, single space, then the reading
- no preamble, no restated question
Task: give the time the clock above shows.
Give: 8:04
